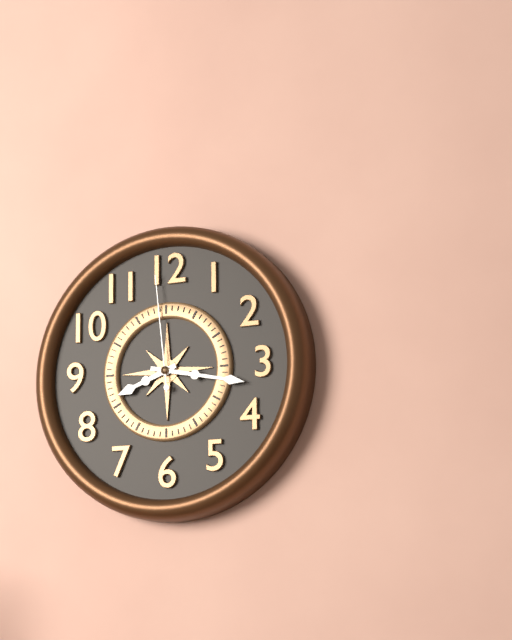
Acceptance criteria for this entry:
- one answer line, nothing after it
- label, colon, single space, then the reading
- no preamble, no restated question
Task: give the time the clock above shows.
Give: 8:17:59
